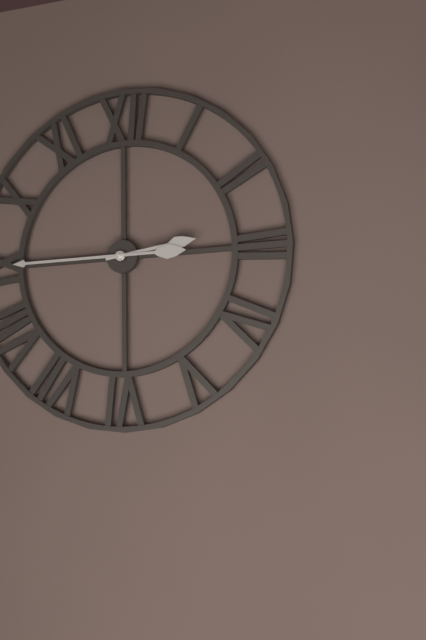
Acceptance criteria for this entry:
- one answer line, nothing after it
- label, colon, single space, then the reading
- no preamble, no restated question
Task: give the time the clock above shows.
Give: 2:45
